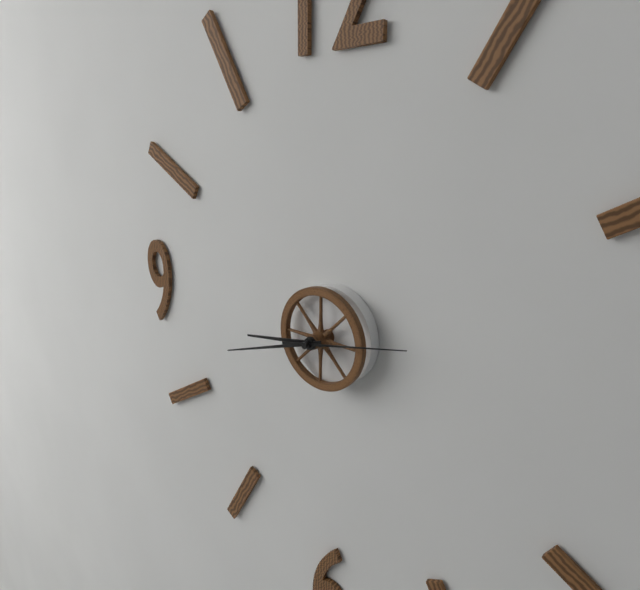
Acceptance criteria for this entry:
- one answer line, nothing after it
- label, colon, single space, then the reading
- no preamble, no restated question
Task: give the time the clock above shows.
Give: 8:42:13
